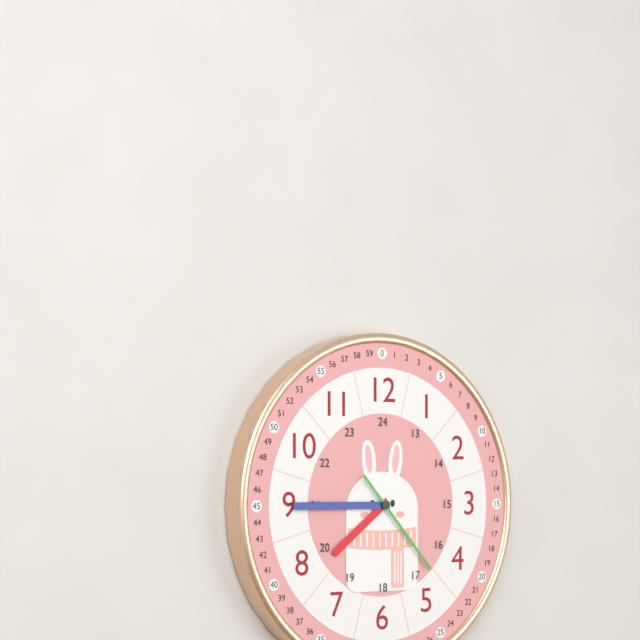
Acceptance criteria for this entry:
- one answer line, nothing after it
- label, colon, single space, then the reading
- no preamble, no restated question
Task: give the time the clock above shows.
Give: 7:45:23
